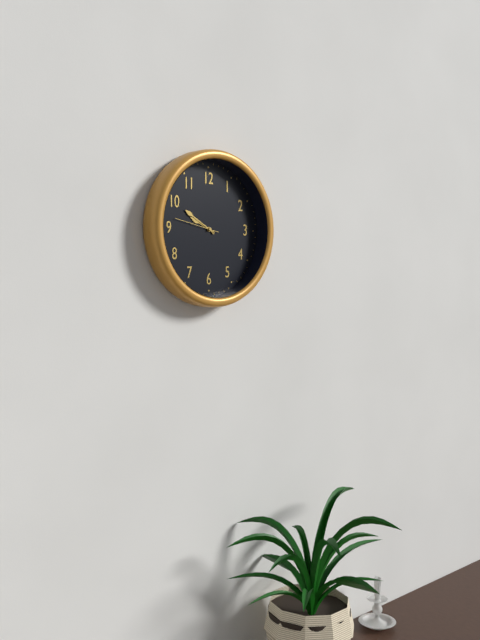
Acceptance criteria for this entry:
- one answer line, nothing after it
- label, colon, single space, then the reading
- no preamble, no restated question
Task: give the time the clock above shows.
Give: 9:50
